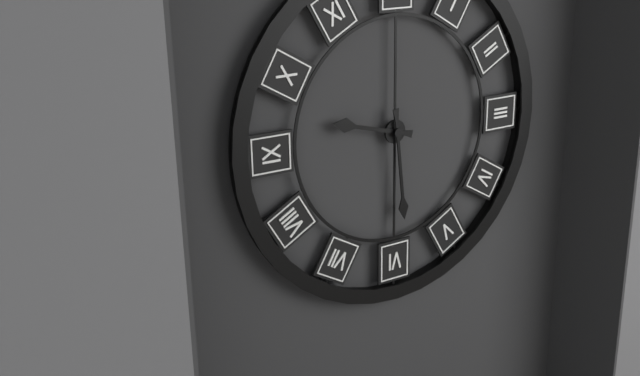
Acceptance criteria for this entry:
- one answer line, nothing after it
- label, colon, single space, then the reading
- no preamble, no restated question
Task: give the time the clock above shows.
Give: 9:29
